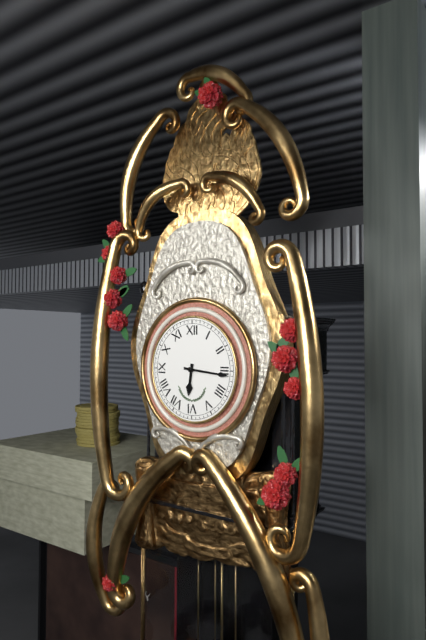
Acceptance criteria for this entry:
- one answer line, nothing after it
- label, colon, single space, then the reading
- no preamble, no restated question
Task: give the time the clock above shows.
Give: 6:16
